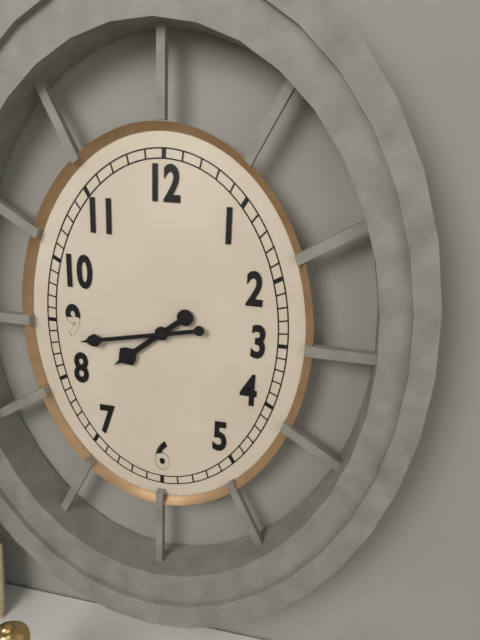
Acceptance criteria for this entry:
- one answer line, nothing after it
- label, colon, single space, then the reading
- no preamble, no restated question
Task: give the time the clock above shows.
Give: 7:43
